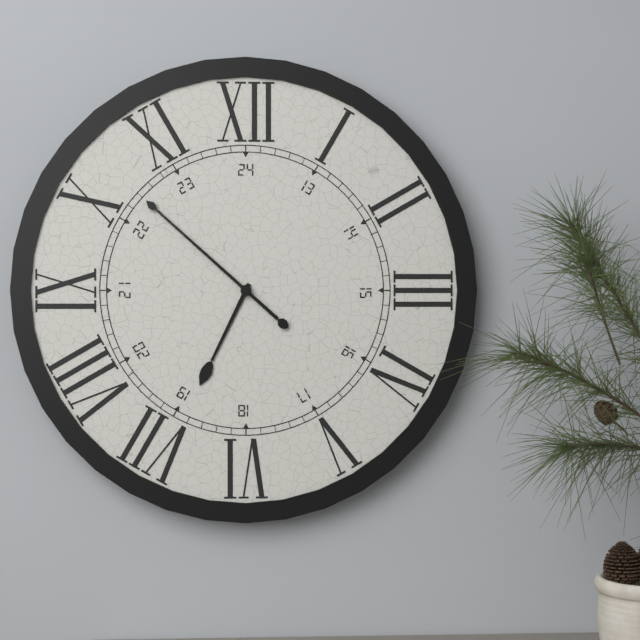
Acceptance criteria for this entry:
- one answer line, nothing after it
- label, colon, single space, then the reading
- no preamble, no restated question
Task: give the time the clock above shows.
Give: 6:52
